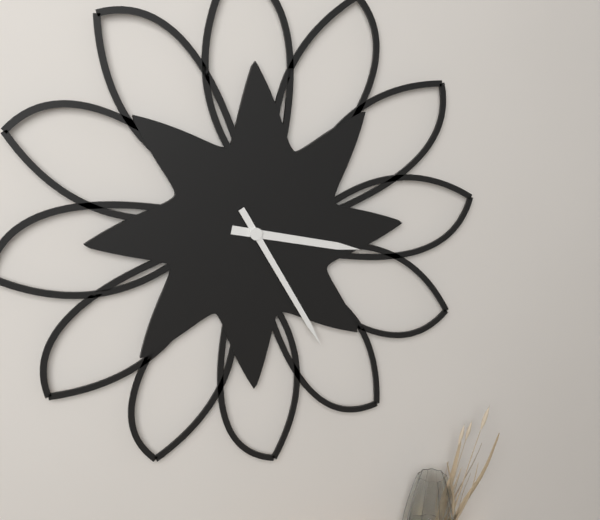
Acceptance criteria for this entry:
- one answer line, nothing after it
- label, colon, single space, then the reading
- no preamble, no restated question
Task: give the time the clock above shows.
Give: 3:25
